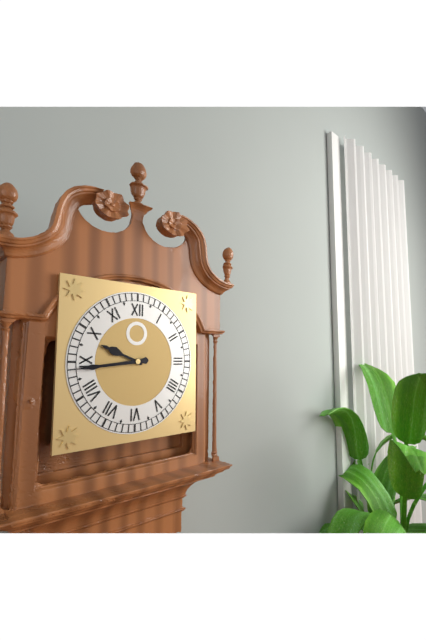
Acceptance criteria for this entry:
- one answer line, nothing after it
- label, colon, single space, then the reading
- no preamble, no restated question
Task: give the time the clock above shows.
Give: 9:44
